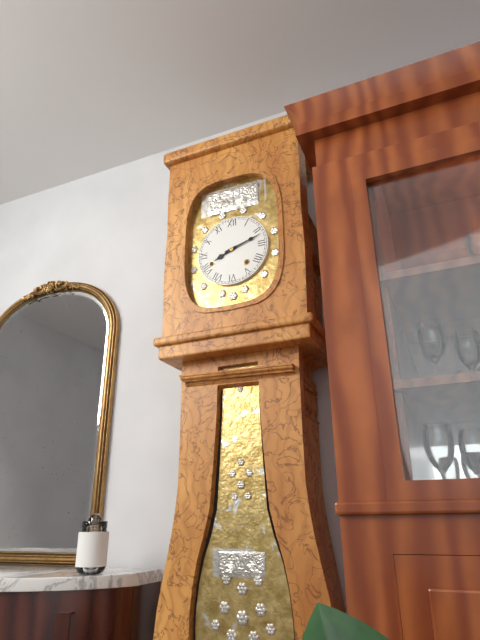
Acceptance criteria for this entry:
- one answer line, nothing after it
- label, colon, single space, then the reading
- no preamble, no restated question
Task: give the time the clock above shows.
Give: 8:12
